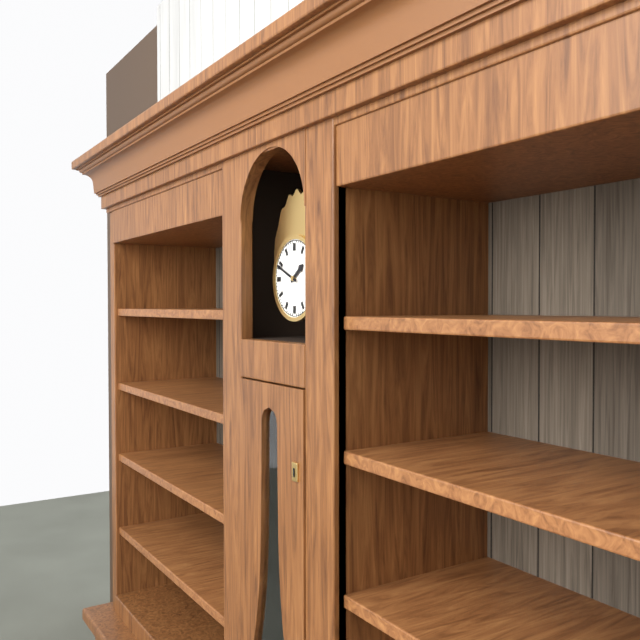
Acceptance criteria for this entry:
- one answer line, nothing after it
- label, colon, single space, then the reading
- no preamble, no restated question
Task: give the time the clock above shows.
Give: 1:49
